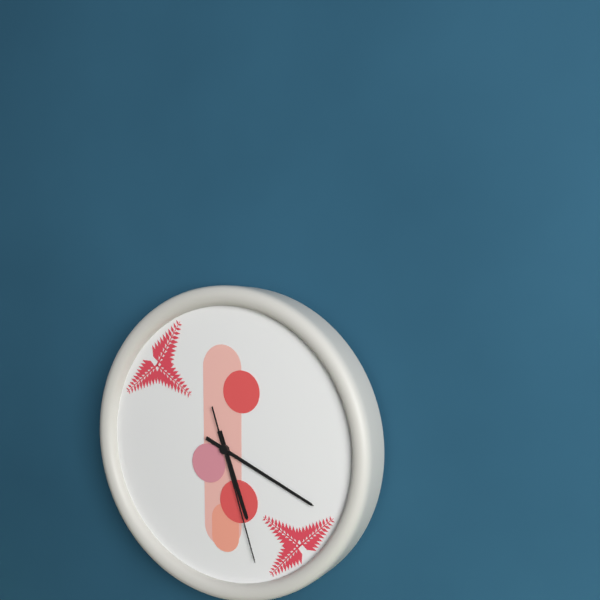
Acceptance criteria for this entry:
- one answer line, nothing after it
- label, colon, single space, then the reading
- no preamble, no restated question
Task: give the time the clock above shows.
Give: 5:19:27
